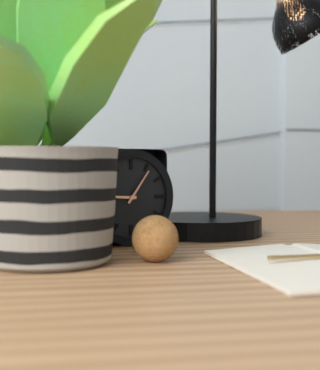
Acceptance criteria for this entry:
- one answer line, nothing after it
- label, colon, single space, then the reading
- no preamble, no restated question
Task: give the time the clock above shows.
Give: 9:06
